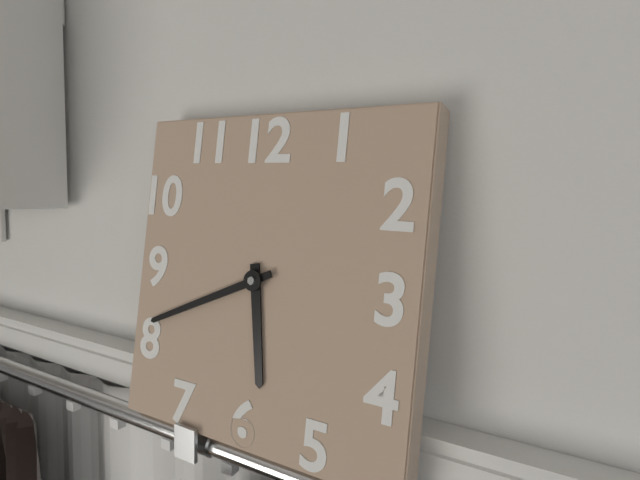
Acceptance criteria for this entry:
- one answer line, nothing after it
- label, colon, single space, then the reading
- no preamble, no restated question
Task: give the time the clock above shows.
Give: 5:41
